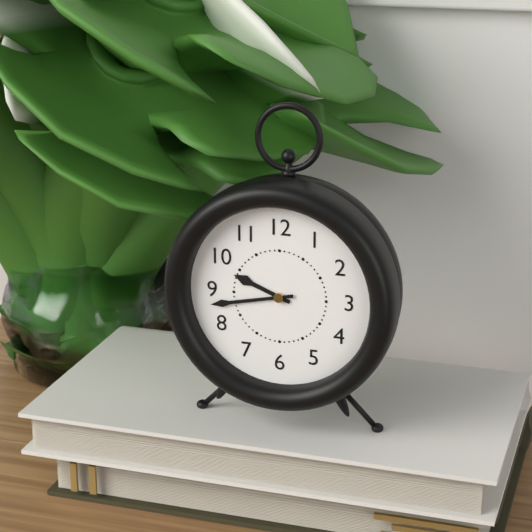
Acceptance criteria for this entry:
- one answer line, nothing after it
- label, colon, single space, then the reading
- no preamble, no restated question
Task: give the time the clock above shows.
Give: 9:43
